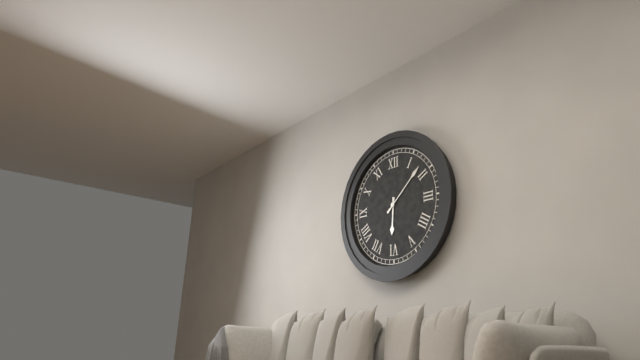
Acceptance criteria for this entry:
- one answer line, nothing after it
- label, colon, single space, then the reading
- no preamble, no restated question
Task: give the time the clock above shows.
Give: 6:08
